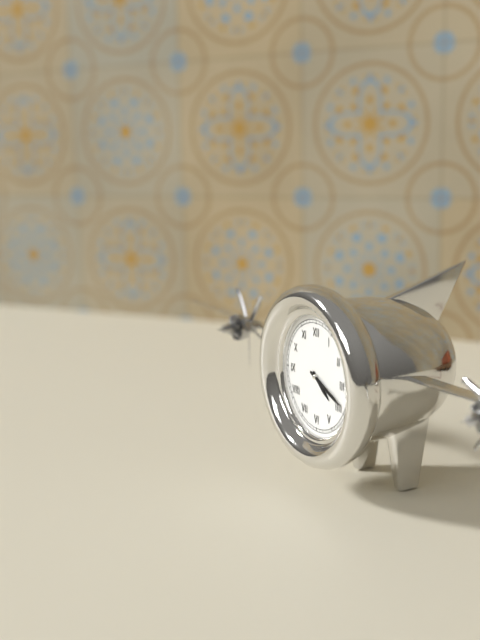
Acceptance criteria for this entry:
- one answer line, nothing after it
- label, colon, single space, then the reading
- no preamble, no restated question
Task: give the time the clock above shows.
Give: 4:19
